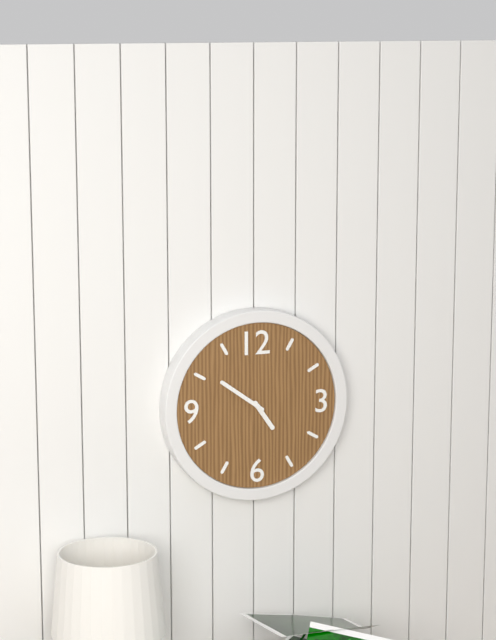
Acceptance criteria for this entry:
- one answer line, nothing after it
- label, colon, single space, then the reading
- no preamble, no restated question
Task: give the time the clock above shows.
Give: 4:51
